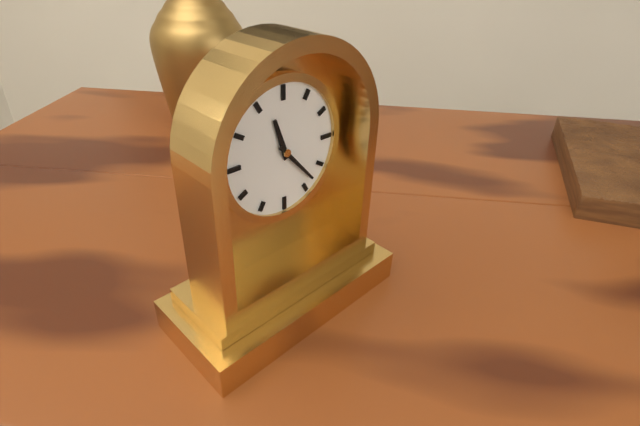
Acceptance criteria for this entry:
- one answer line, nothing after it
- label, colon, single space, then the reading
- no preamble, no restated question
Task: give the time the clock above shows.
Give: 11:23
